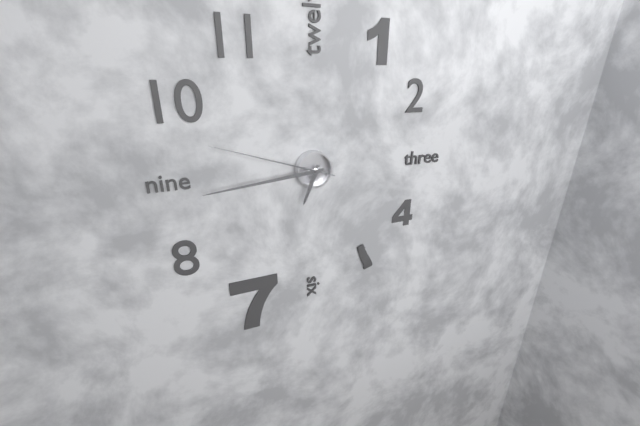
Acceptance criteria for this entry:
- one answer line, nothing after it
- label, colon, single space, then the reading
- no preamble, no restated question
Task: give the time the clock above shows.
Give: 6:44:48
